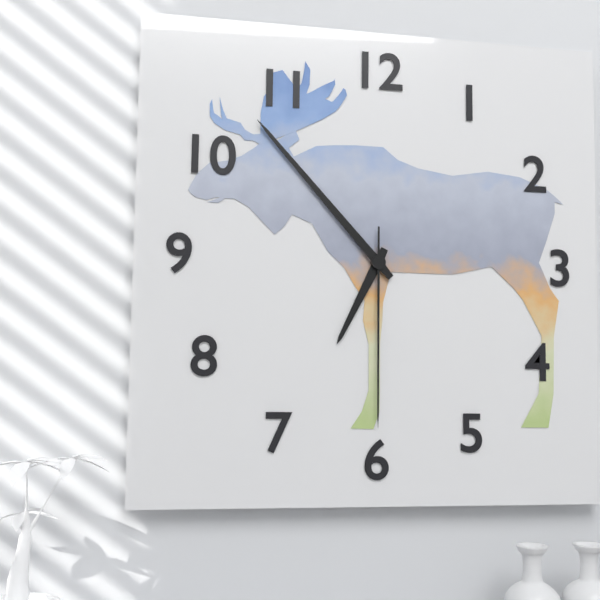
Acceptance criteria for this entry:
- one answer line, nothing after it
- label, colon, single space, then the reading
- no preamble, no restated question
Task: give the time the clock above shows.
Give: 6:53:30
